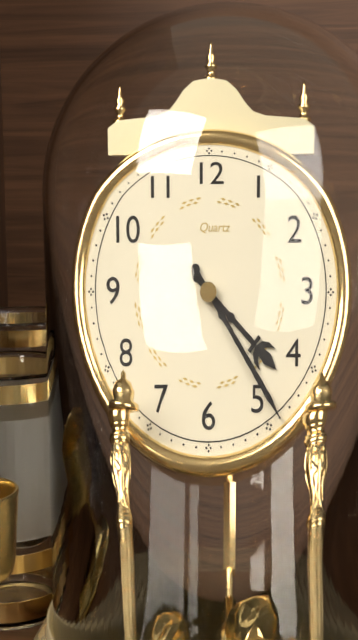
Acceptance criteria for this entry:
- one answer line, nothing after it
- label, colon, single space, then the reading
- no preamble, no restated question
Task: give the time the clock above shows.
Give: 4:24
